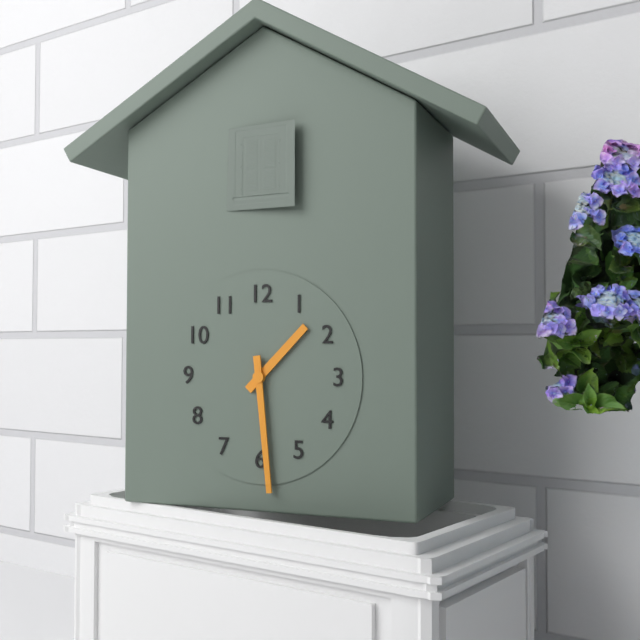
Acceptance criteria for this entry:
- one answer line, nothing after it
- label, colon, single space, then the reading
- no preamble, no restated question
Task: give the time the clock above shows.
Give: 1:29
